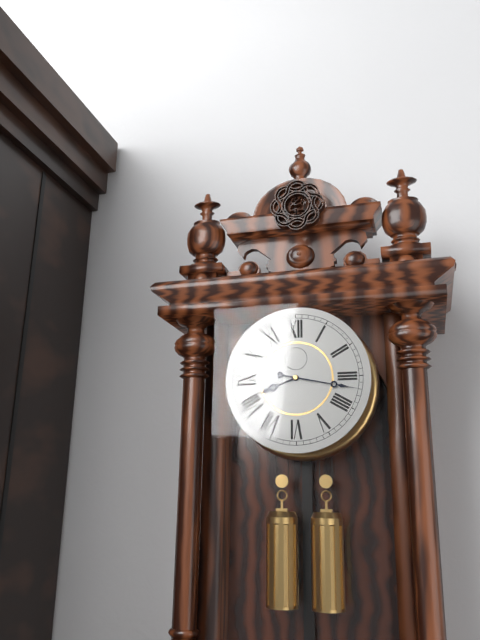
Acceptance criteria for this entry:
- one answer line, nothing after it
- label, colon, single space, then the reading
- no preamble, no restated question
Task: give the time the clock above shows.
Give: 8:17
